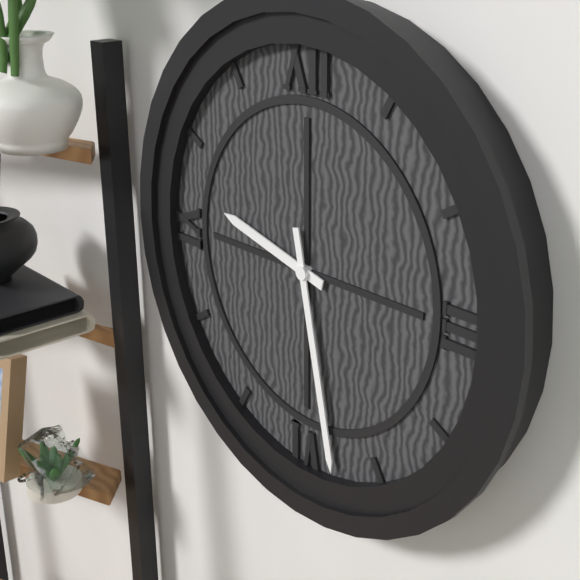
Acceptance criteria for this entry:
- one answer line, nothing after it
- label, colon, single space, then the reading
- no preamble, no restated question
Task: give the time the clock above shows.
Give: 9:28
